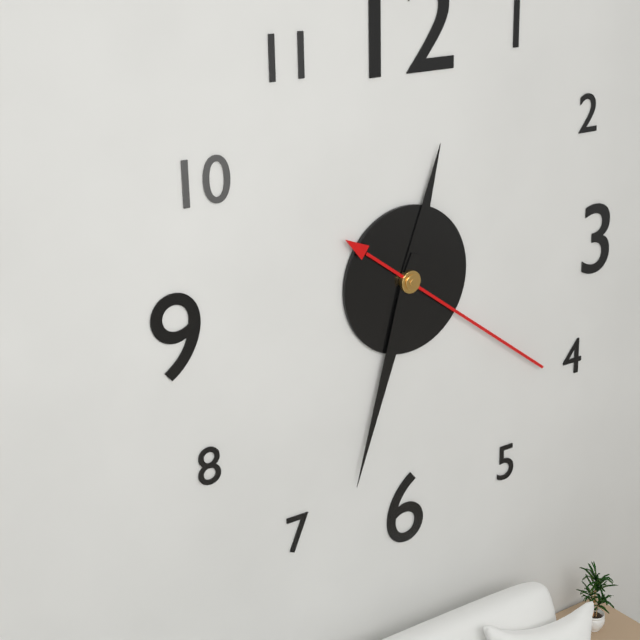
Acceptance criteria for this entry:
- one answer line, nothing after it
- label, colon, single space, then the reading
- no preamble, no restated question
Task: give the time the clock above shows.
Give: 12:33:21
